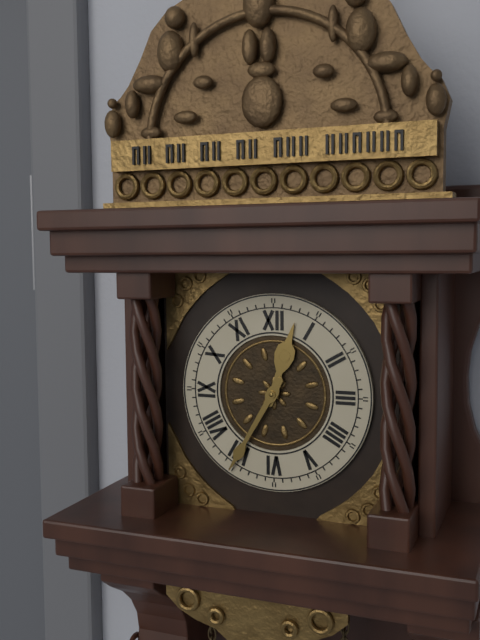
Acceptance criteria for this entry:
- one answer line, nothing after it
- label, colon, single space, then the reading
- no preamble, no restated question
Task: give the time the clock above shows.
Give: 12:35
